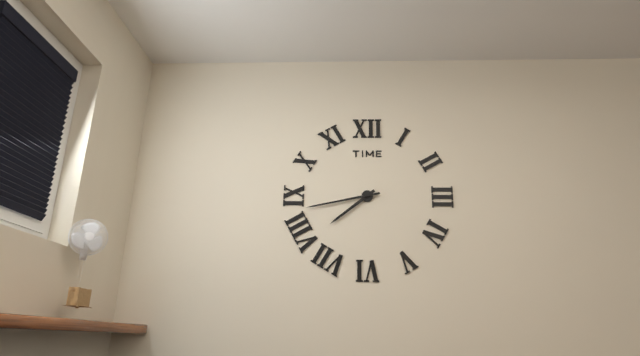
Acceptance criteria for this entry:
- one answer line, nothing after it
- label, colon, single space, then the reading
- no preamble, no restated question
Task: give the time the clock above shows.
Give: 7:43
